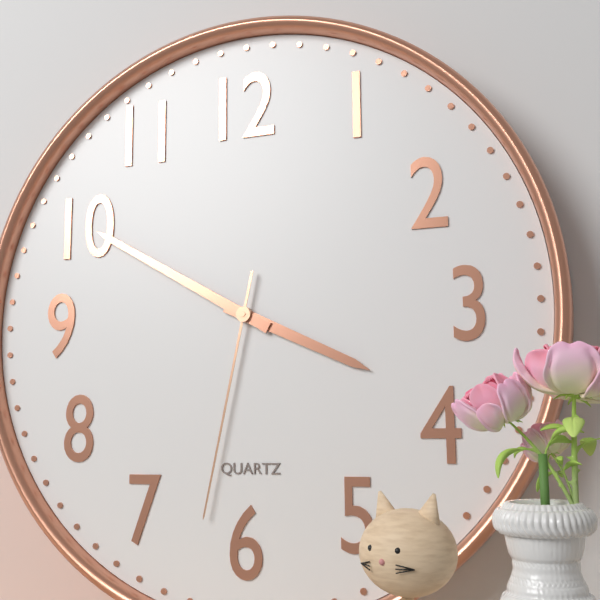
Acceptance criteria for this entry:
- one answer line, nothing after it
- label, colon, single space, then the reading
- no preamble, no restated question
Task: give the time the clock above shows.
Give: 3:50:32
